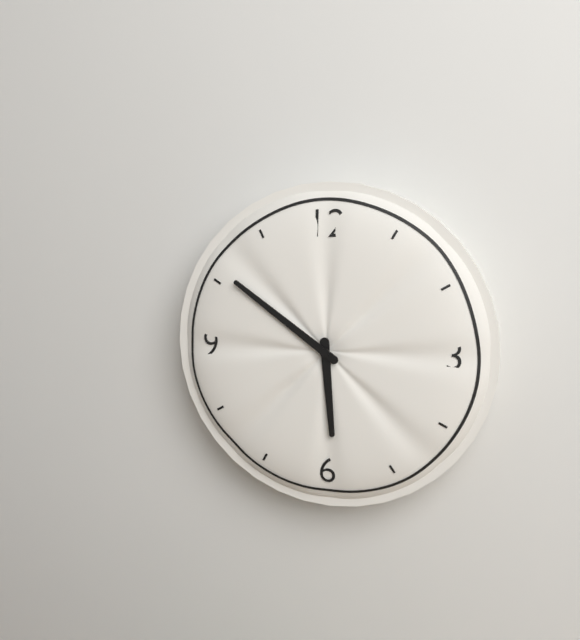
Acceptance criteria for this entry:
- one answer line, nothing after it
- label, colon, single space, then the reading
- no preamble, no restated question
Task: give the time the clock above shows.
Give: 5:51
